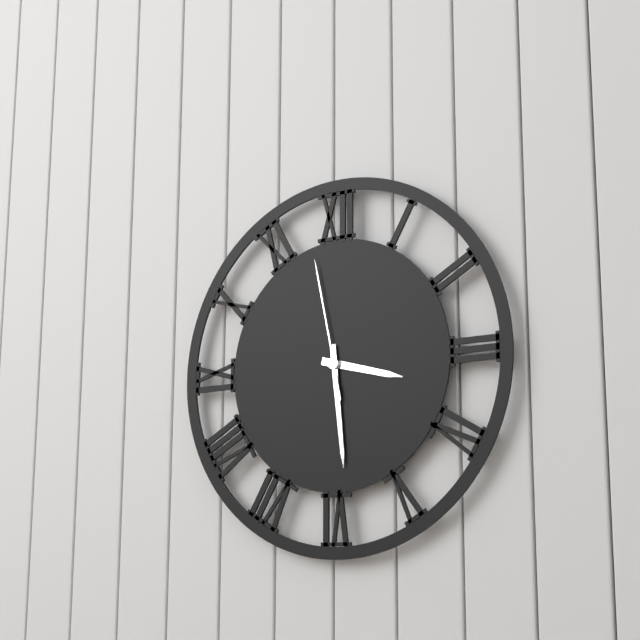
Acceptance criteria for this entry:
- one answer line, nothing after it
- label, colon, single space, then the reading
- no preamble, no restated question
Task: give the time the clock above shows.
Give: 3:29:58
